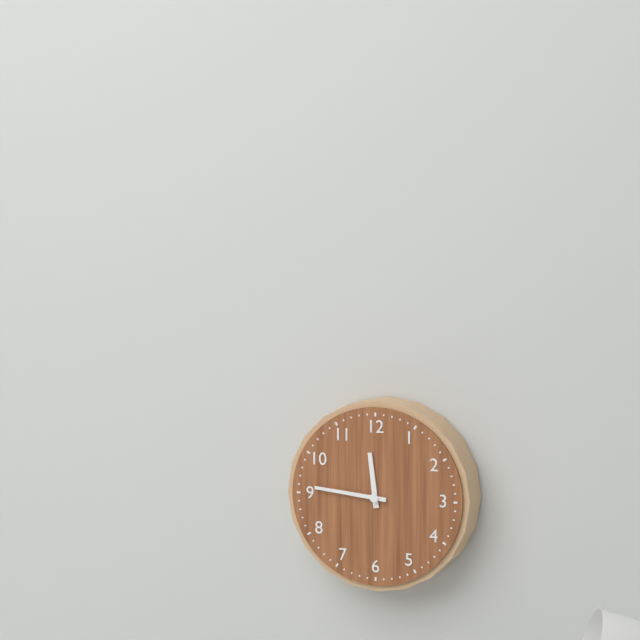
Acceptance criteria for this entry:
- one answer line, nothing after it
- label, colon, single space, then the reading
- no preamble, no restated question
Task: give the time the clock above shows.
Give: 11:46
